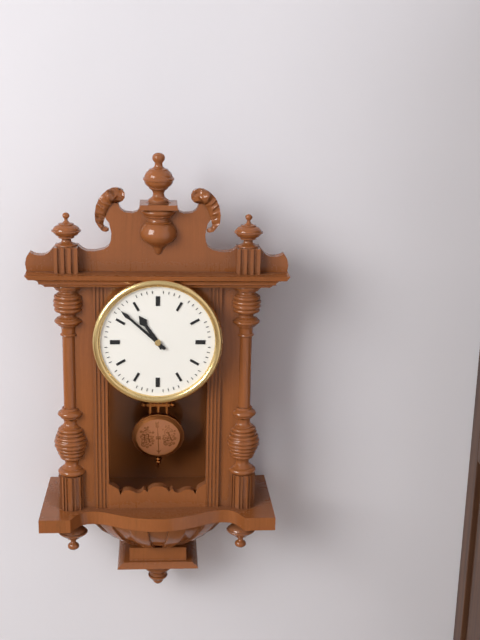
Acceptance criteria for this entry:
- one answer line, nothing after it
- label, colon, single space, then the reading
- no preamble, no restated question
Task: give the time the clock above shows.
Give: 10:52
